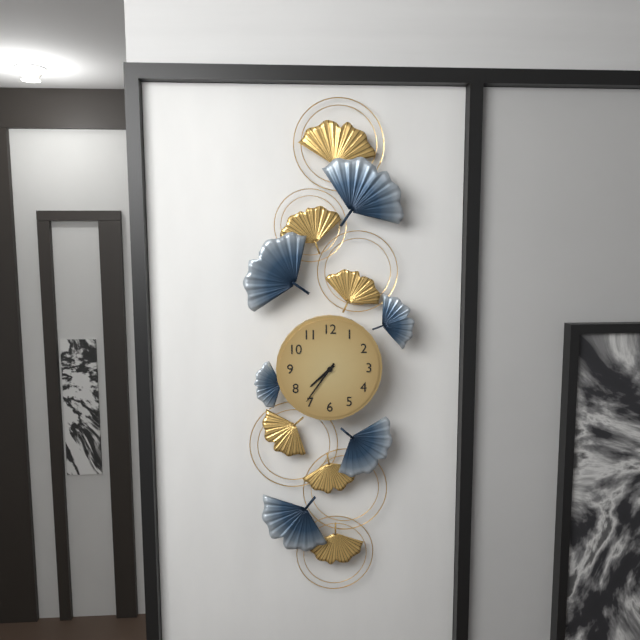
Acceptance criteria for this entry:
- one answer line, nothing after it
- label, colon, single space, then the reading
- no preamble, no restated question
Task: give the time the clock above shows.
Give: 7:36
